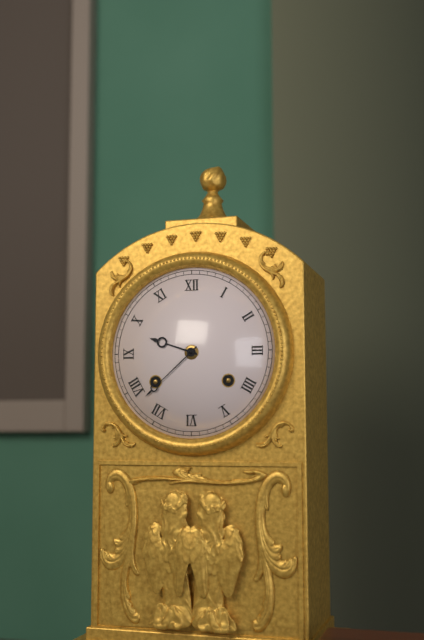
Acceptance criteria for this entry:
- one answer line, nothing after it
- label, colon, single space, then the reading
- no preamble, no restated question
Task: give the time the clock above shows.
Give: 9:38
